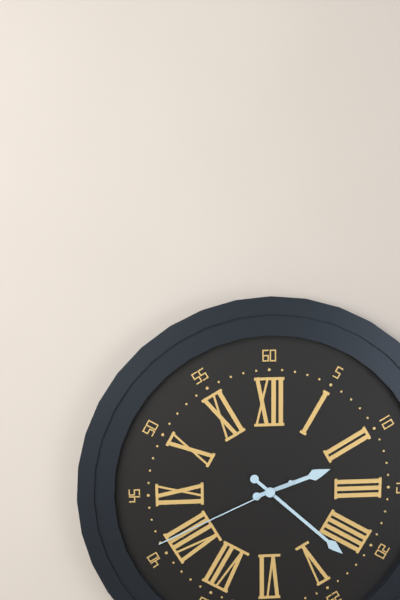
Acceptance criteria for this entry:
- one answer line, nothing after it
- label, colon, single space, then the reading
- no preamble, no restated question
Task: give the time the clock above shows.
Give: 2:22:41
